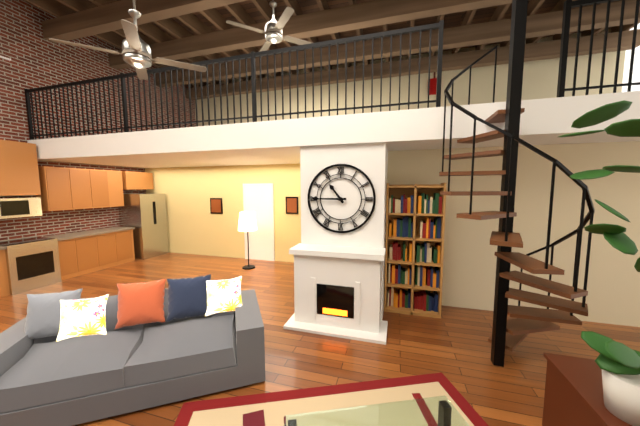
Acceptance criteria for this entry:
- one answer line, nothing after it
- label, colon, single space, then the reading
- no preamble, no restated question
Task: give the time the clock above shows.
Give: 10:45
